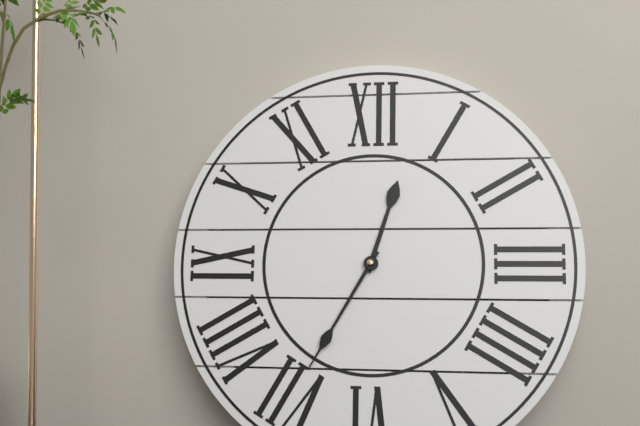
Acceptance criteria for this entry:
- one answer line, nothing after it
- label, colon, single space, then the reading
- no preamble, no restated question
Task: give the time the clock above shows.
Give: 12:35
